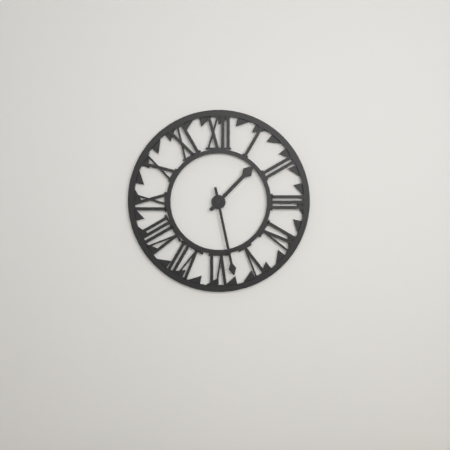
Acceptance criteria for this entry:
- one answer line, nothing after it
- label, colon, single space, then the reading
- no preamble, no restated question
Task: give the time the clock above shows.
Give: 1:28
